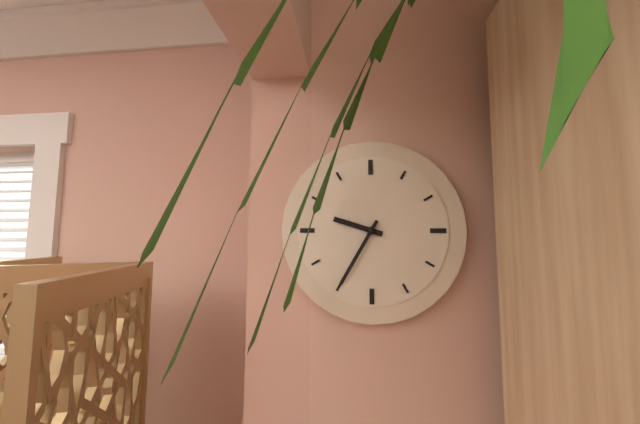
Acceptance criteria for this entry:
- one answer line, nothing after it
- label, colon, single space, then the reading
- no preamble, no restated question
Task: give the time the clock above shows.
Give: 9:35
